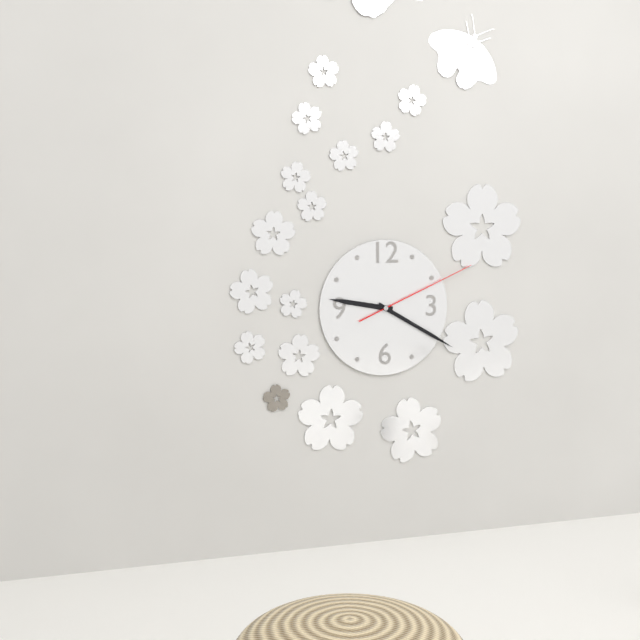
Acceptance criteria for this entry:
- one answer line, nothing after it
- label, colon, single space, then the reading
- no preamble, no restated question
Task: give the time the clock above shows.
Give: 9:20:11
